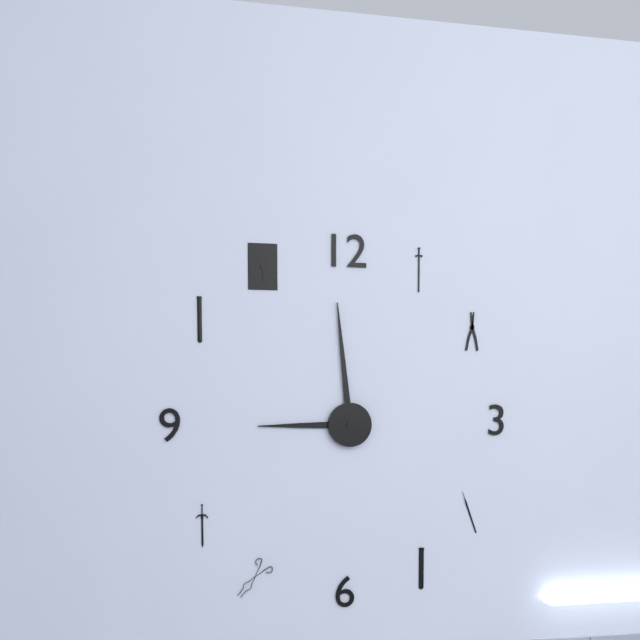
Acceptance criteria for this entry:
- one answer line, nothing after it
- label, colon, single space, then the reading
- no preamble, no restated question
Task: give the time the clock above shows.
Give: 8:59
